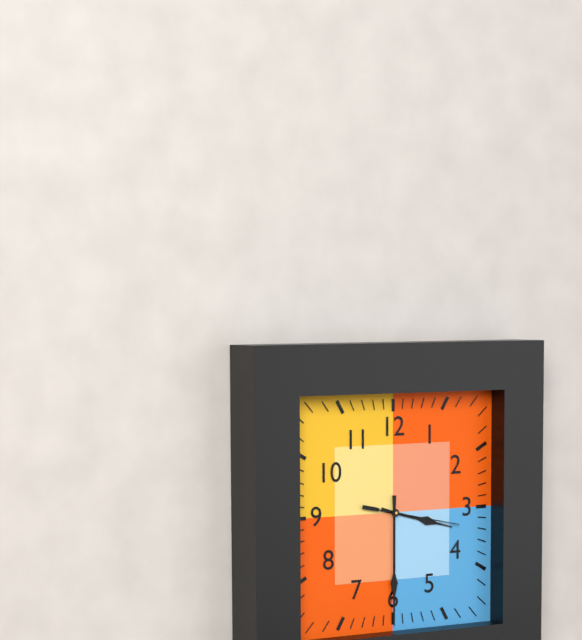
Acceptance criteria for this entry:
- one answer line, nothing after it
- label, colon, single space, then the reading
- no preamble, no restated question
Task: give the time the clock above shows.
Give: 3:30:17
